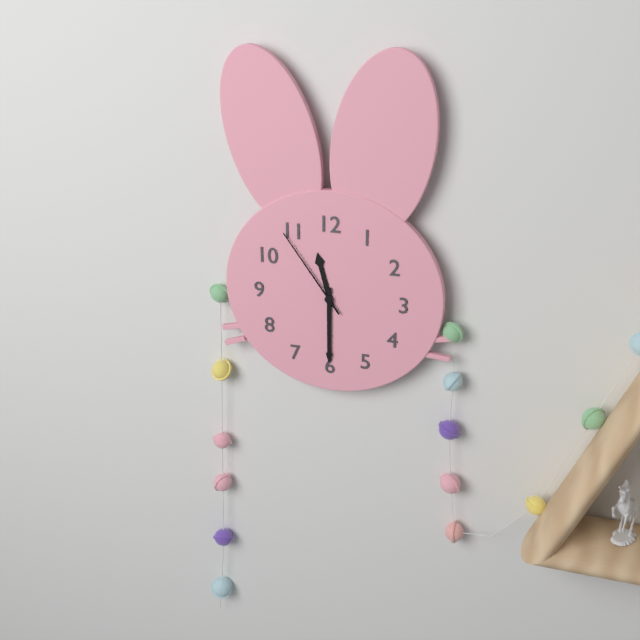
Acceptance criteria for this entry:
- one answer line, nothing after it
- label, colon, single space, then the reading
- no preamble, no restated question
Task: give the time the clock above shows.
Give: 11:30:54
